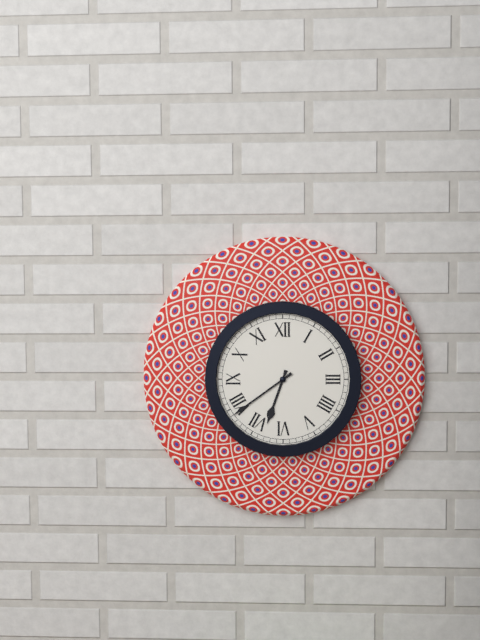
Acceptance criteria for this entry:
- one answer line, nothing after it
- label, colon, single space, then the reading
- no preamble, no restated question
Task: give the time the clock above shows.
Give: 6:39
